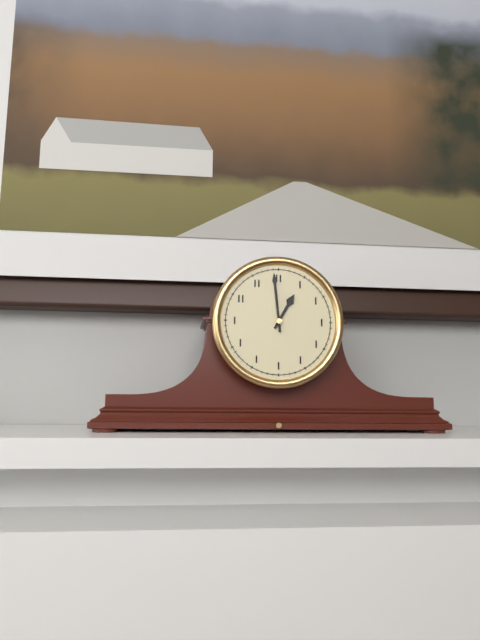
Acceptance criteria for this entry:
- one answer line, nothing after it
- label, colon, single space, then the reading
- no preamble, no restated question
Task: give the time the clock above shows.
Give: 12:59
